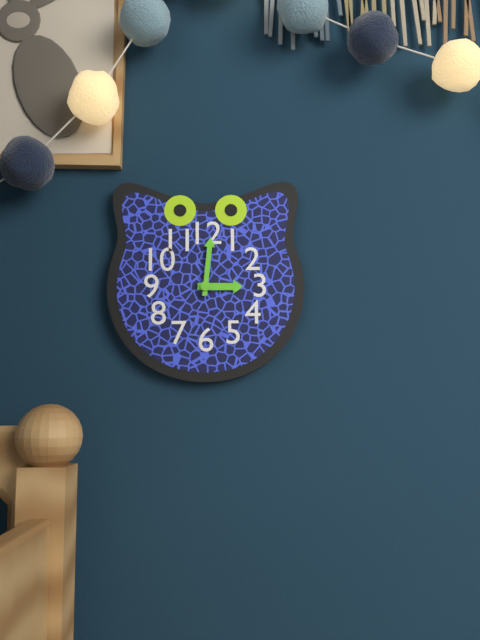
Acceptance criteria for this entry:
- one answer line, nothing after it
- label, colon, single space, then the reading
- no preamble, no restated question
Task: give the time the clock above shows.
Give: 3:01
